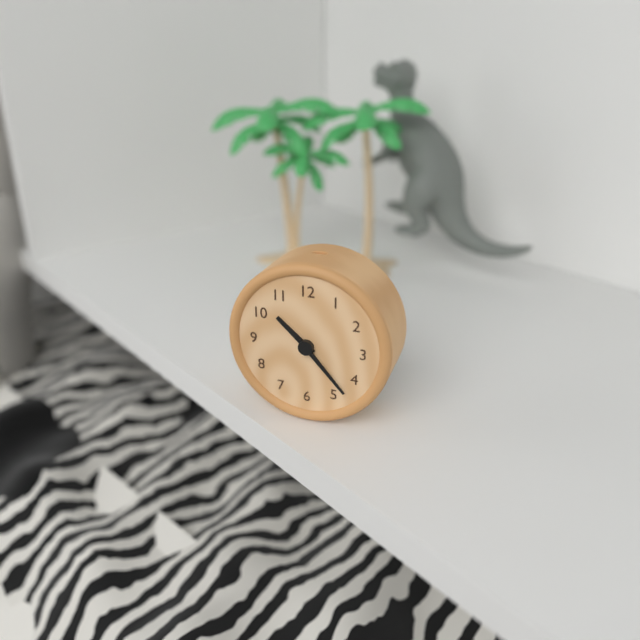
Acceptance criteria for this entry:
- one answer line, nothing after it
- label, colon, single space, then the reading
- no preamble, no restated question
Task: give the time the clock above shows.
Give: 10:23
